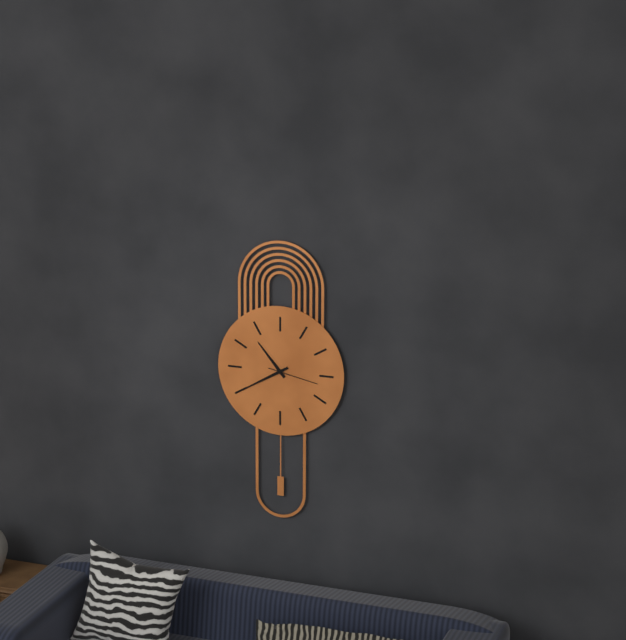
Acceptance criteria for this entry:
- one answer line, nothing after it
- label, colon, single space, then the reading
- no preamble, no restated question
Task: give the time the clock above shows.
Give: 10:40
